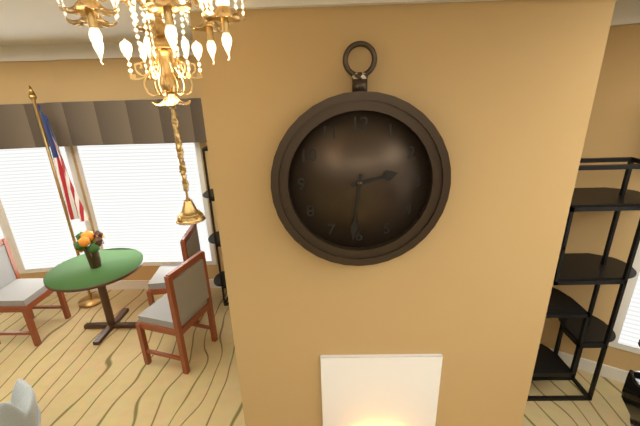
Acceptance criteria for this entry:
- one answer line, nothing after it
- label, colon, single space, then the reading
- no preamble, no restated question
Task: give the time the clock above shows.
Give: 2:31
